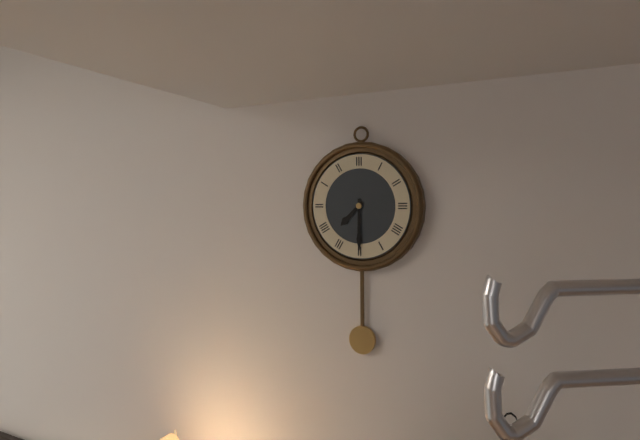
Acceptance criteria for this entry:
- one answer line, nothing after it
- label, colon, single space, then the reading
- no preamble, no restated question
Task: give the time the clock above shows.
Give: 7:30
